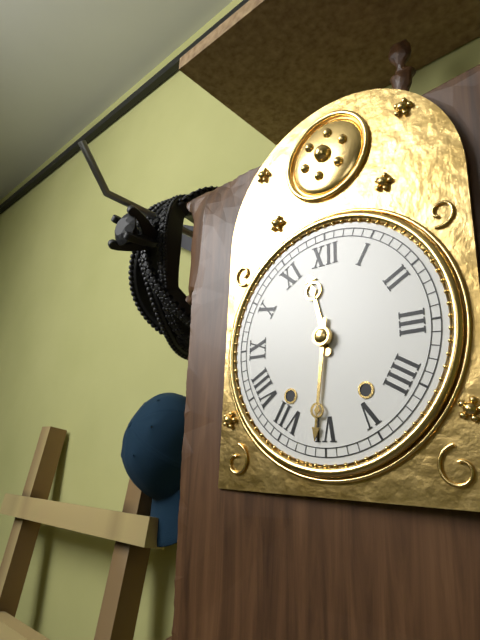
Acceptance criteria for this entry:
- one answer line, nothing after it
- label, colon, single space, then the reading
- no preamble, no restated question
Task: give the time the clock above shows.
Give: 11:31
